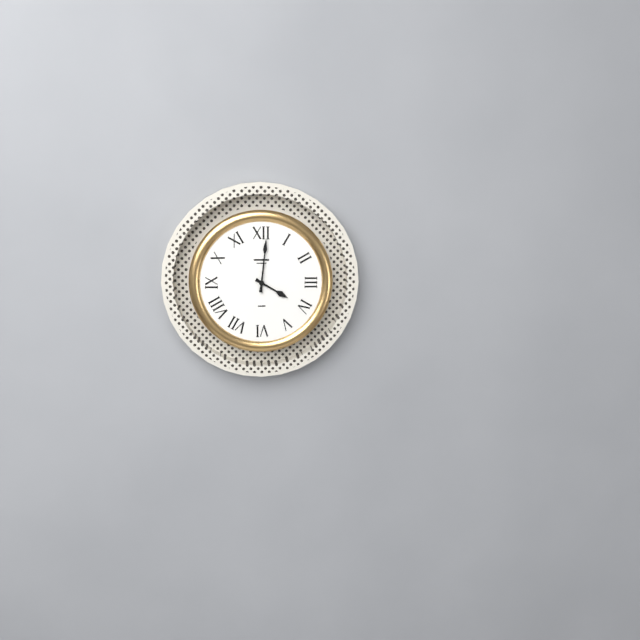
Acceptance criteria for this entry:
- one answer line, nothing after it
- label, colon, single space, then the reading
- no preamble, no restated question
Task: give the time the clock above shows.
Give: 4:01
